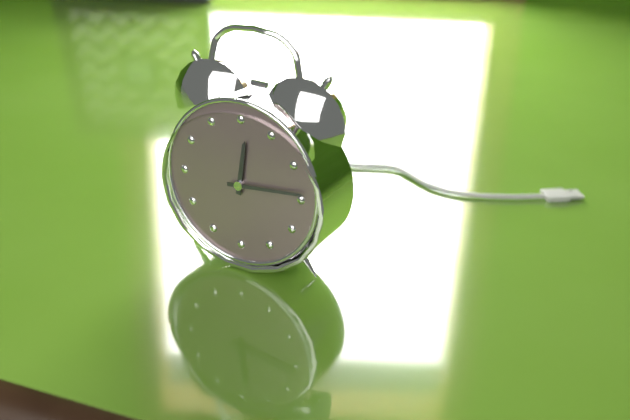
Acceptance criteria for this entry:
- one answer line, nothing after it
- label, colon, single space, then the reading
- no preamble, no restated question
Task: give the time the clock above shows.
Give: 12:14
